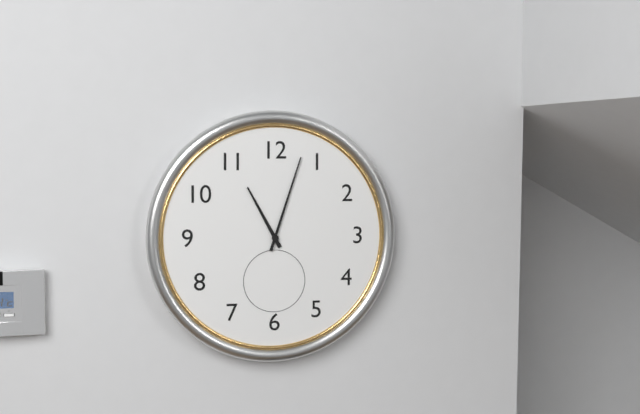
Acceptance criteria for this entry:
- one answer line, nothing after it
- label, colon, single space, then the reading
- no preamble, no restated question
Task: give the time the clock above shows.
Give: 11:03
